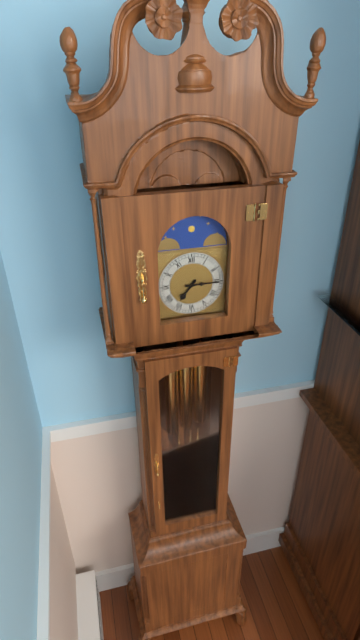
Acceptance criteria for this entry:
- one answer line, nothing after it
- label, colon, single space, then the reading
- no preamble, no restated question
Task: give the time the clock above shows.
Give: 7:15
